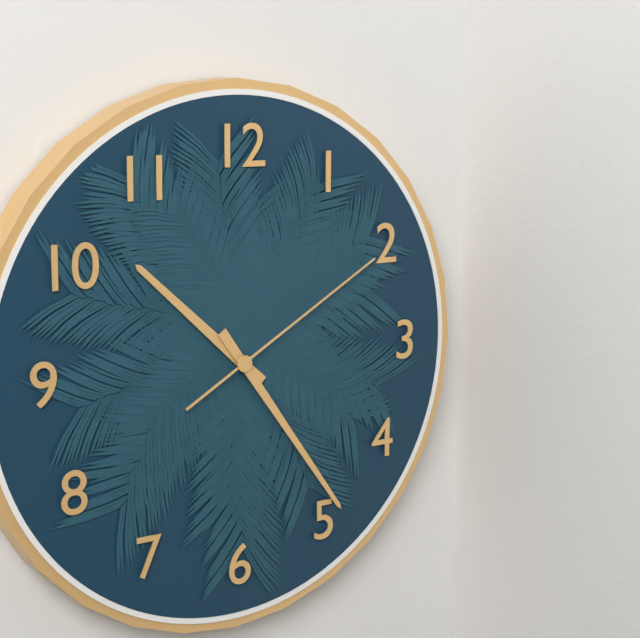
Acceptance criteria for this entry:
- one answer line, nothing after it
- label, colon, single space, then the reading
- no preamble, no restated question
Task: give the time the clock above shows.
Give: 10:24:10
